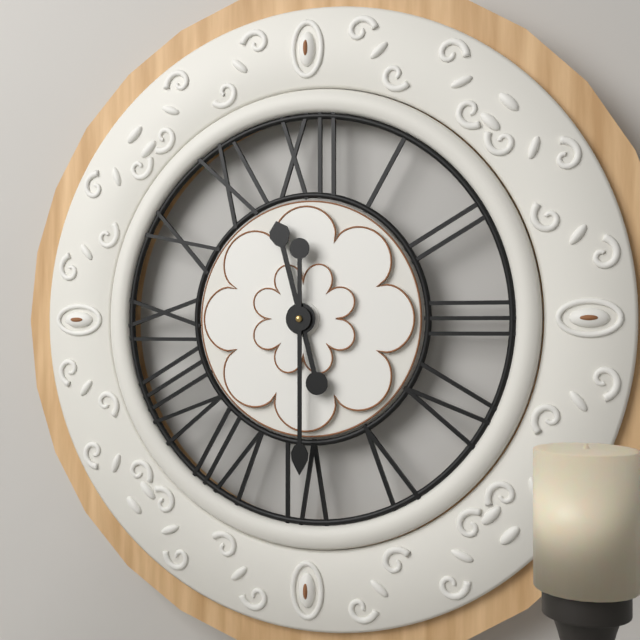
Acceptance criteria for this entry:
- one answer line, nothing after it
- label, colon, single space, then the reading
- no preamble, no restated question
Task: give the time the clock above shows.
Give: 11:30
